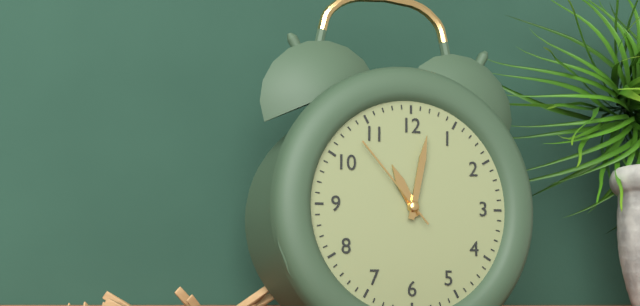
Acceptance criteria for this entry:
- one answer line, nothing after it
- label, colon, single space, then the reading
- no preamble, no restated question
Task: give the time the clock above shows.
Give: 11:02:53
